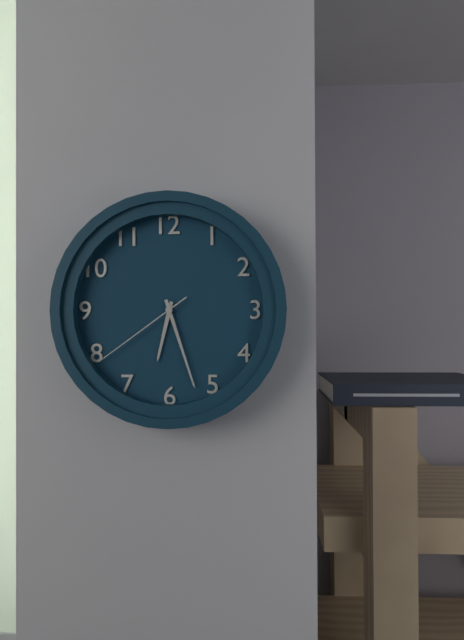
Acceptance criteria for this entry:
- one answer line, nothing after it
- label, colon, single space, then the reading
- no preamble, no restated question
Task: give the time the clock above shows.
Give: 6:27:39
